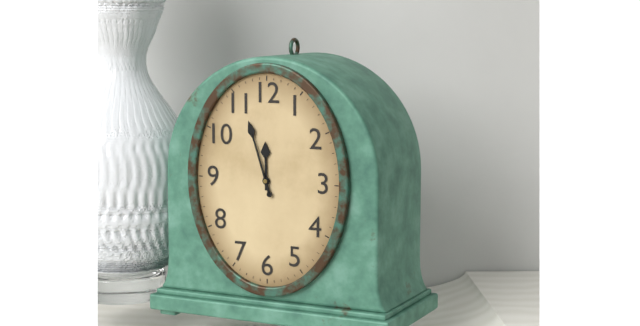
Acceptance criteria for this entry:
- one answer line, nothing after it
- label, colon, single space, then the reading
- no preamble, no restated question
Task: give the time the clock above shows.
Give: 11:57
